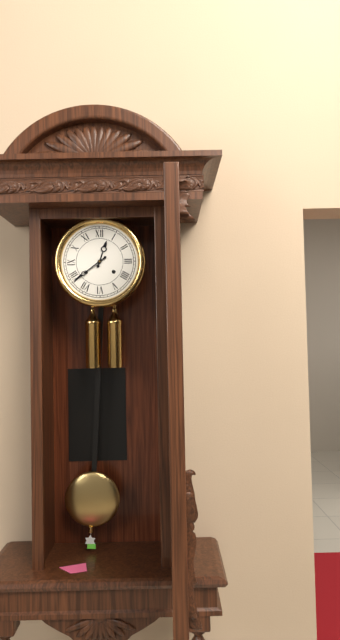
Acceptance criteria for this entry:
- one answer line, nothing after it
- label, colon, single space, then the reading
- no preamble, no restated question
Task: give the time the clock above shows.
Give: 12:39
